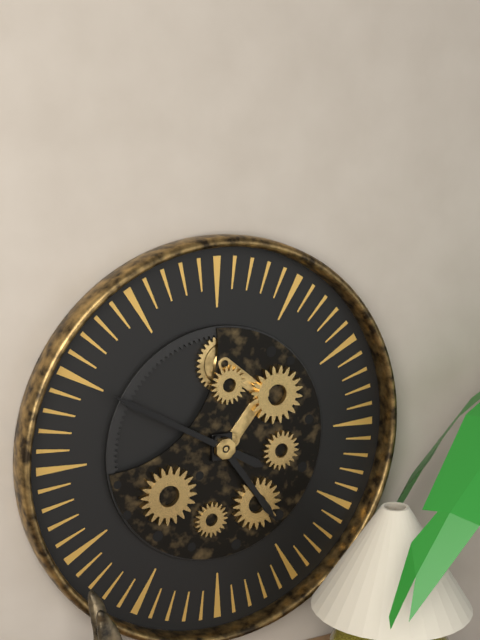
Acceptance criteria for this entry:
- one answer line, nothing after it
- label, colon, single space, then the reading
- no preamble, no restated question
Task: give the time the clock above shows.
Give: 4:50
